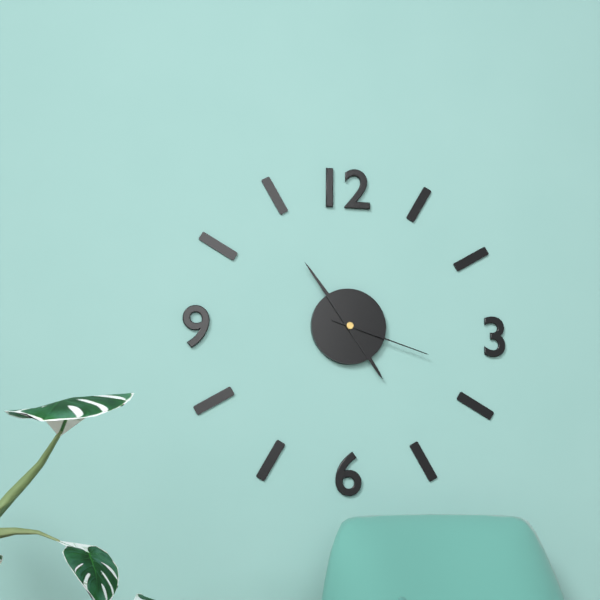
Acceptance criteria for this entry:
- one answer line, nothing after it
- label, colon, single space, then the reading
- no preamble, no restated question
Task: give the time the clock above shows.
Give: 4:54:18
